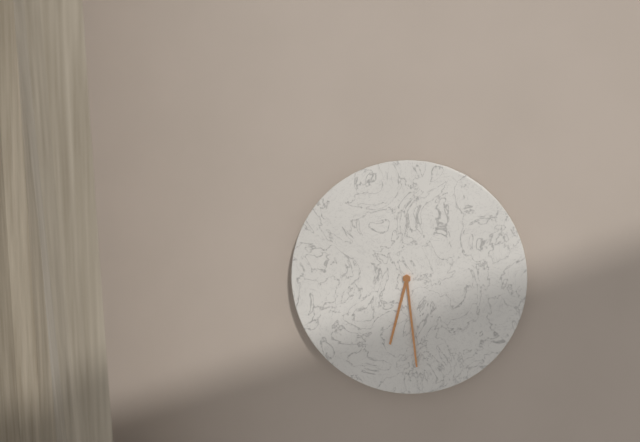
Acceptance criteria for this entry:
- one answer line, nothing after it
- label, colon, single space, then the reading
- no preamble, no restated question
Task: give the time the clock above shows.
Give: 6:29
